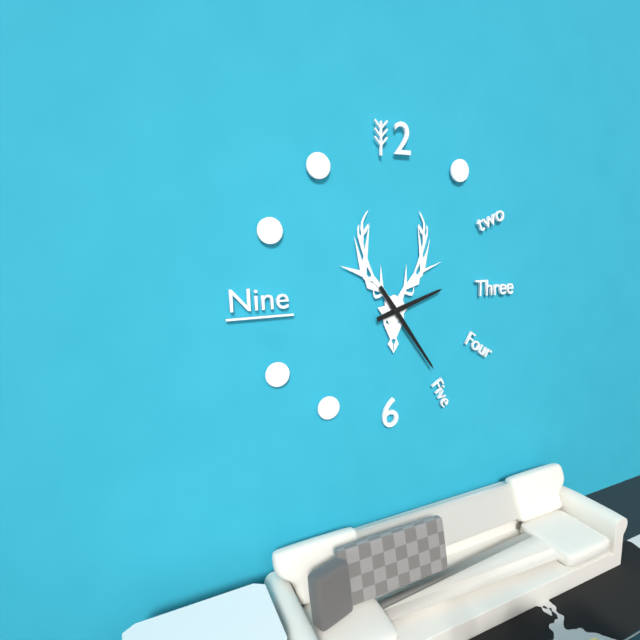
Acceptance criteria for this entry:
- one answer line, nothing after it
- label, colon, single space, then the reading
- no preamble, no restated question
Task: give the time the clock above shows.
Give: 2:24
